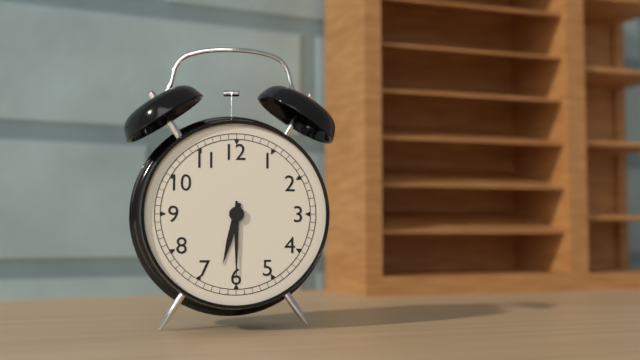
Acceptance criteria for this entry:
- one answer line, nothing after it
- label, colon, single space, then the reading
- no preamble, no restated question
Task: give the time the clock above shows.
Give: 6:30
